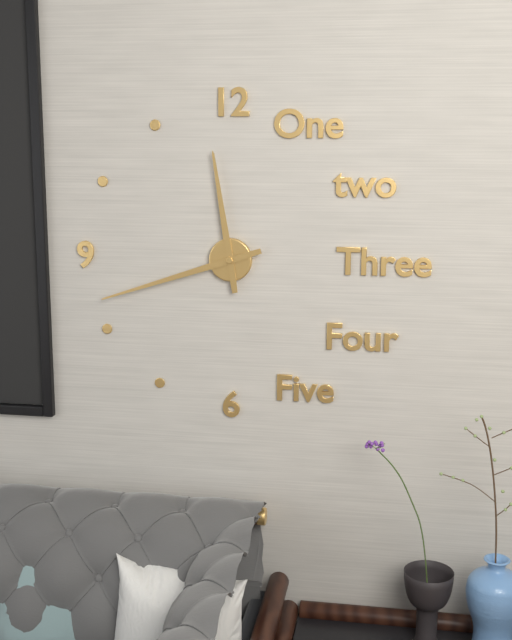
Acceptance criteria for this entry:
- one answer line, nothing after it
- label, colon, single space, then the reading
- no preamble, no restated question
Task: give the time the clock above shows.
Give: 11:42
